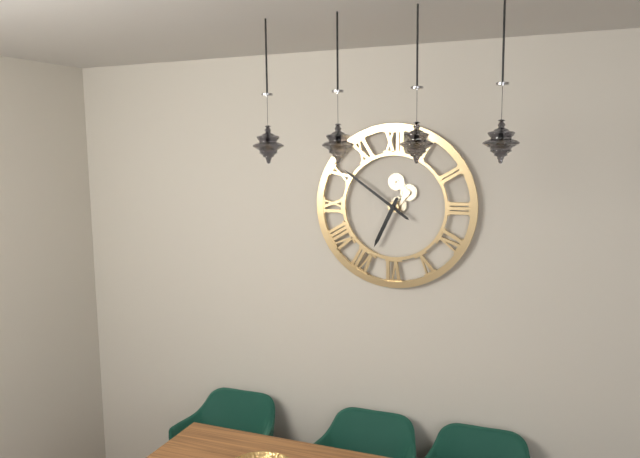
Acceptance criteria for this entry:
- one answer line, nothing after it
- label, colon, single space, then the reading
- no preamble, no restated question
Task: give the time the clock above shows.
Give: 6:51
